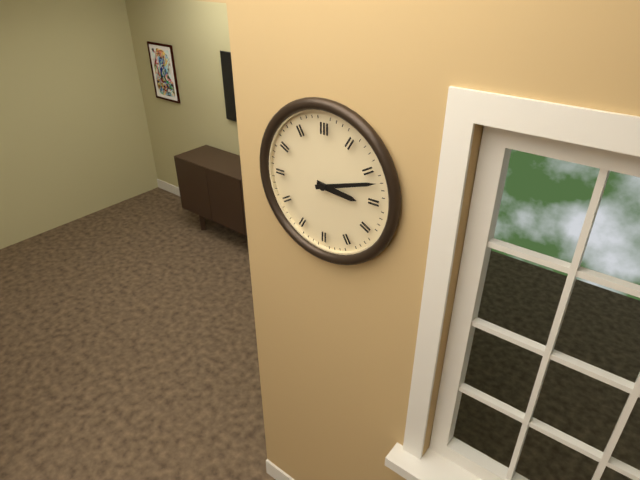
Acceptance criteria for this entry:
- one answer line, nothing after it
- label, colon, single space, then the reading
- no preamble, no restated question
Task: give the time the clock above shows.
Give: 3:12
